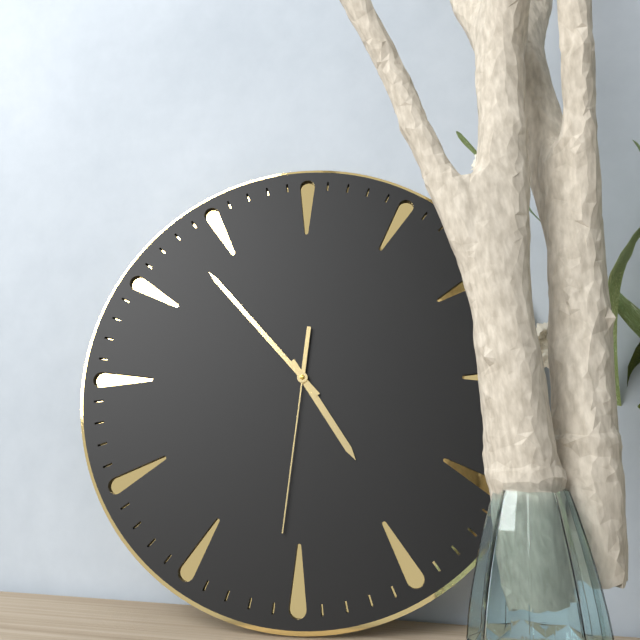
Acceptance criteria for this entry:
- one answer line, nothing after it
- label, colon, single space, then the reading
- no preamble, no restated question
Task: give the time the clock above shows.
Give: 4:53:31
